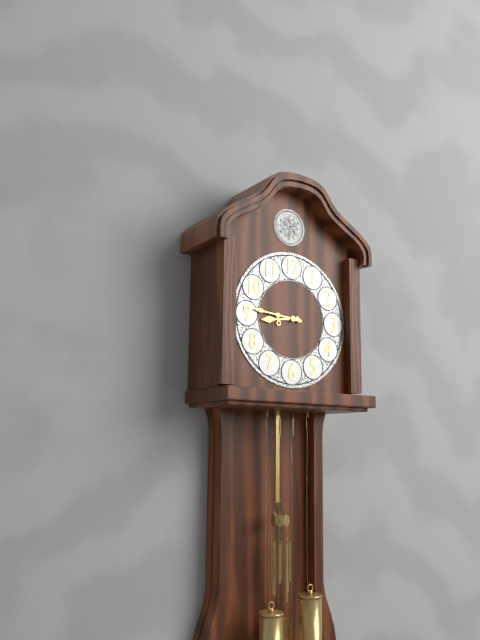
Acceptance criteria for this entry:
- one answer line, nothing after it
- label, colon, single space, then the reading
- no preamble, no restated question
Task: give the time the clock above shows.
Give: 8:46
